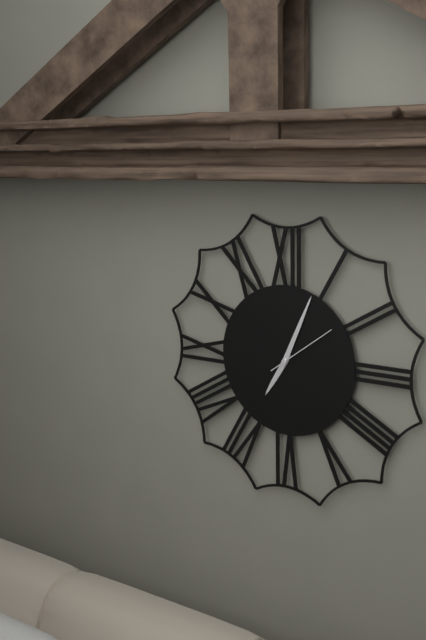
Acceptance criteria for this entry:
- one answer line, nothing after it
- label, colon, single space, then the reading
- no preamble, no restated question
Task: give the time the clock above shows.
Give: 7:04:09
